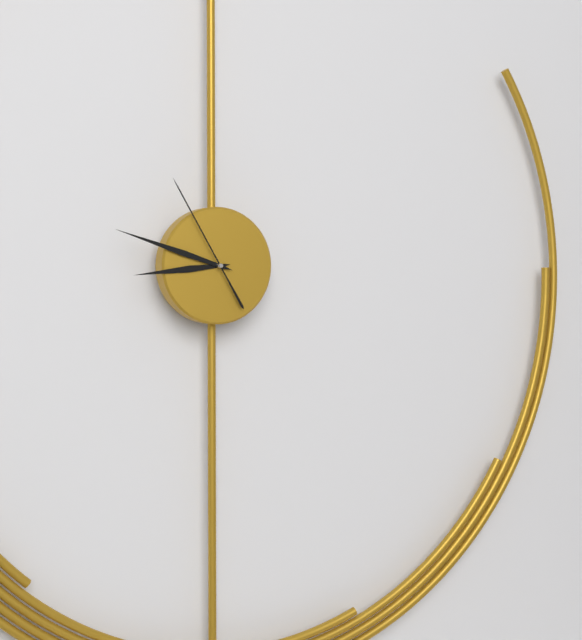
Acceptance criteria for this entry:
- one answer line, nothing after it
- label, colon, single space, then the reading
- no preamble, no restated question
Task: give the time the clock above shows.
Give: 8:48:55
